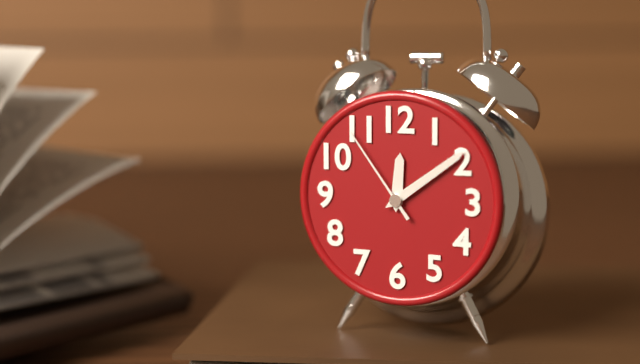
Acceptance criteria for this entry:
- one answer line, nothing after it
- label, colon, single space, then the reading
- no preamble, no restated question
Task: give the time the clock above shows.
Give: 12:09:54
